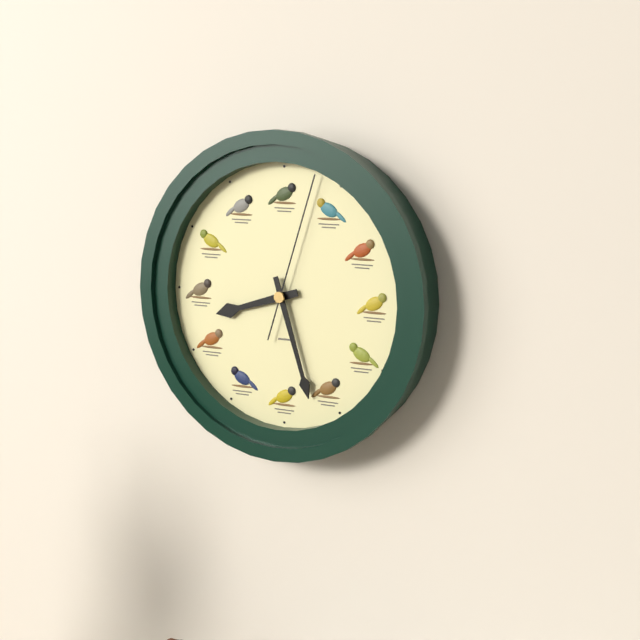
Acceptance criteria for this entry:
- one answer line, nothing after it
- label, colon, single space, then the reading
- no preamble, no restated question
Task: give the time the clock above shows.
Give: 8:27:03
